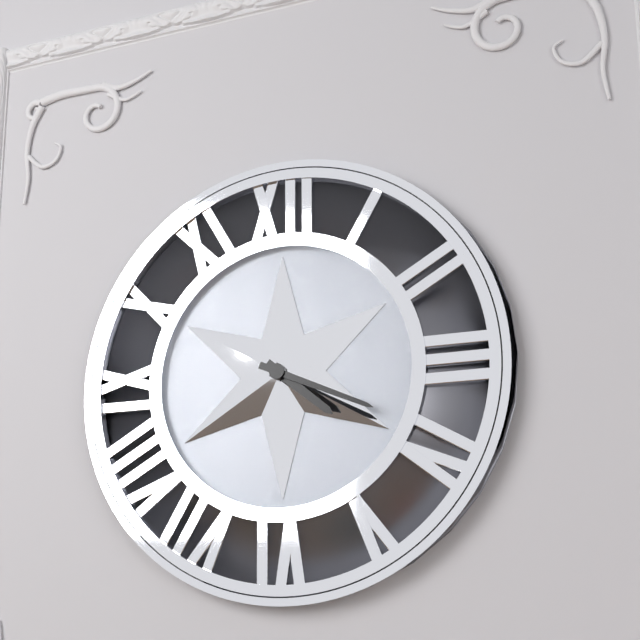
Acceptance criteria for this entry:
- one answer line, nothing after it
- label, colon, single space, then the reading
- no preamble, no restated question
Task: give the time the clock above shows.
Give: 4:19
